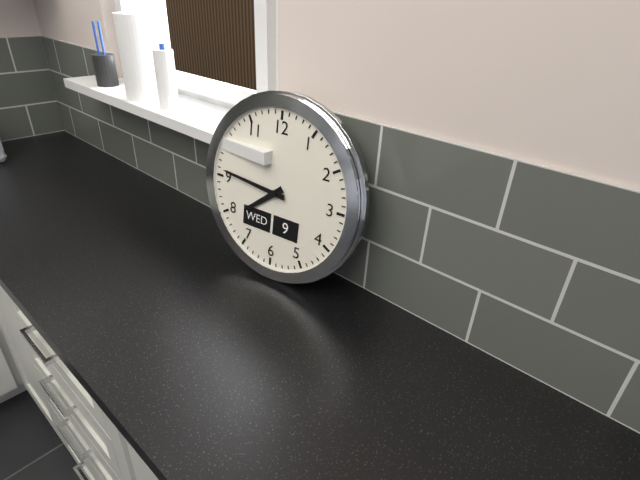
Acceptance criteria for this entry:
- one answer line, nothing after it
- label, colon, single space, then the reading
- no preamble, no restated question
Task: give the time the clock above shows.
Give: 7:46
